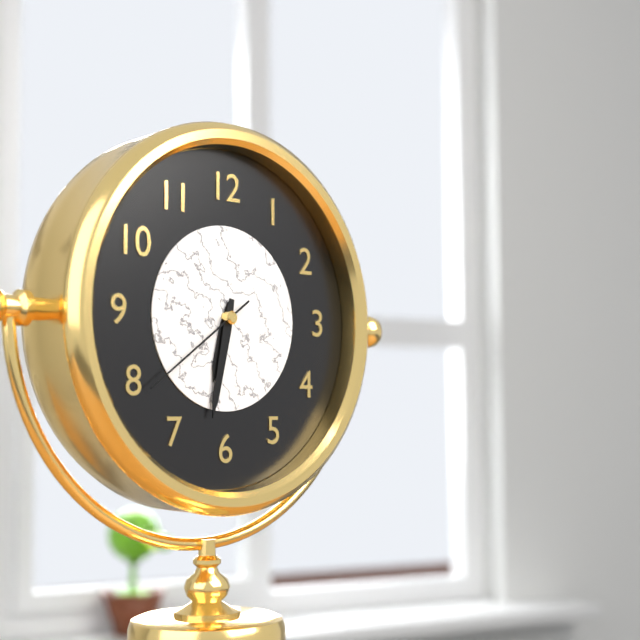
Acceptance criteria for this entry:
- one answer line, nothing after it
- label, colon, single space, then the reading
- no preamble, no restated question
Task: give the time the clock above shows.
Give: 6:32:39
